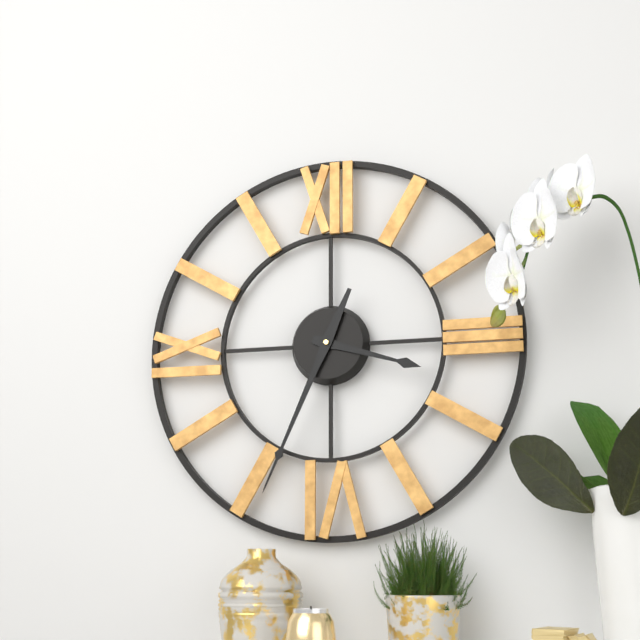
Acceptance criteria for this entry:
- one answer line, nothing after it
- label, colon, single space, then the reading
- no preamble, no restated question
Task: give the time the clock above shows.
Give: 3:34
